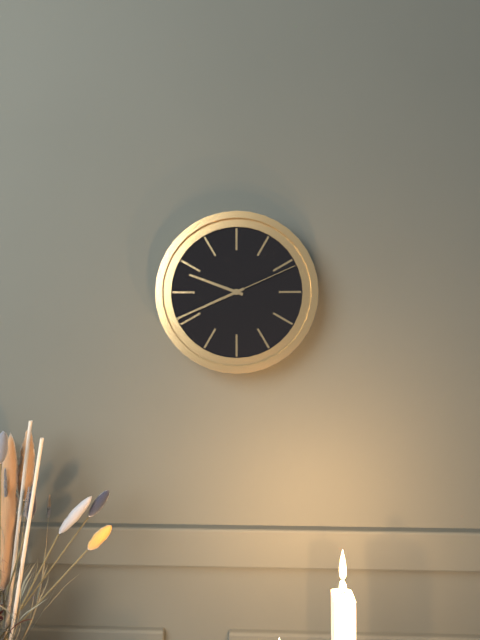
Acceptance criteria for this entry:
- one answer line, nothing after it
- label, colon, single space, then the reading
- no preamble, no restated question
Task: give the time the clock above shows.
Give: 9:41:11
